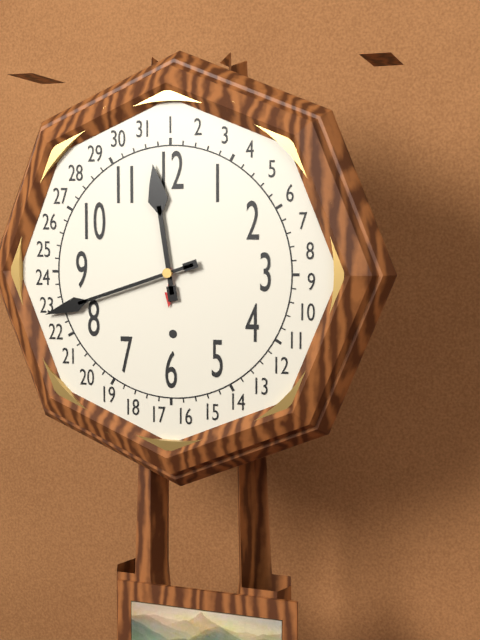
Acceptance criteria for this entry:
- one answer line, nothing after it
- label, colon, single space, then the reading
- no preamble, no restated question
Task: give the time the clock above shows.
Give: 11:42
